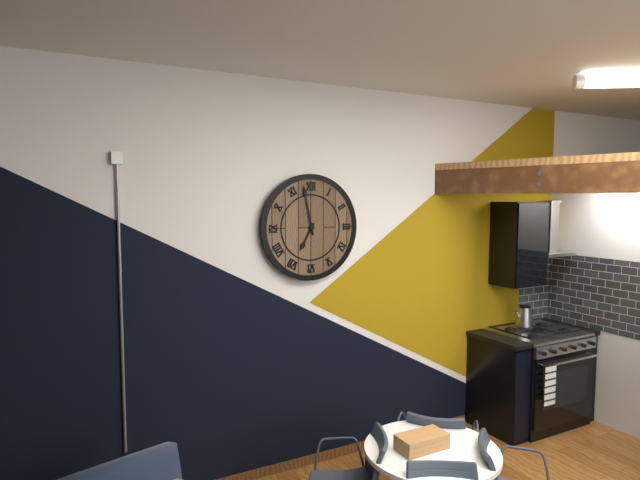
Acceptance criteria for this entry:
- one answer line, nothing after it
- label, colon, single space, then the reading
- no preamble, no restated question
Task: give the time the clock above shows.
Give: 6:58
